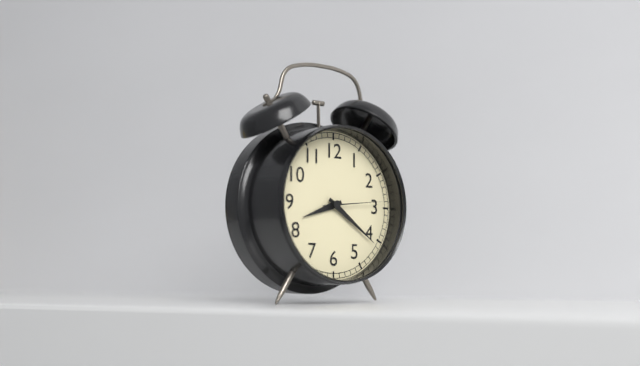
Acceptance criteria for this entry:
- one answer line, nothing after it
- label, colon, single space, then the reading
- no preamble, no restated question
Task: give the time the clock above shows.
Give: 8:21:14
